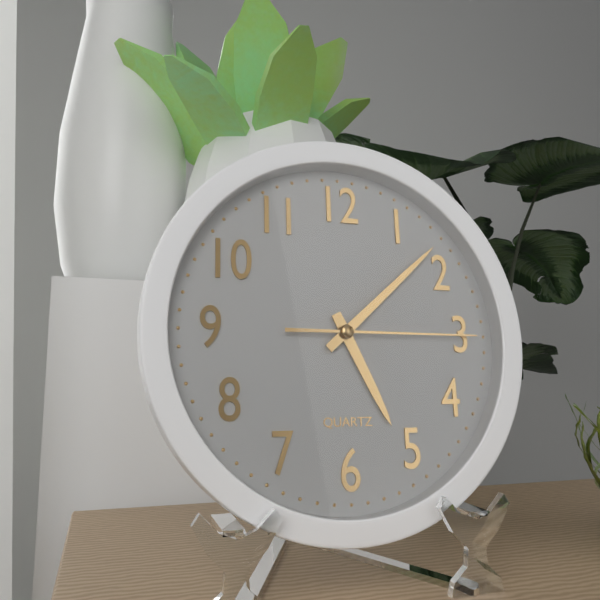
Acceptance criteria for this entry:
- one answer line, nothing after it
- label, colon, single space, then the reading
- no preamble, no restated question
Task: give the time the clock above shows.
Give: 5:08:15
